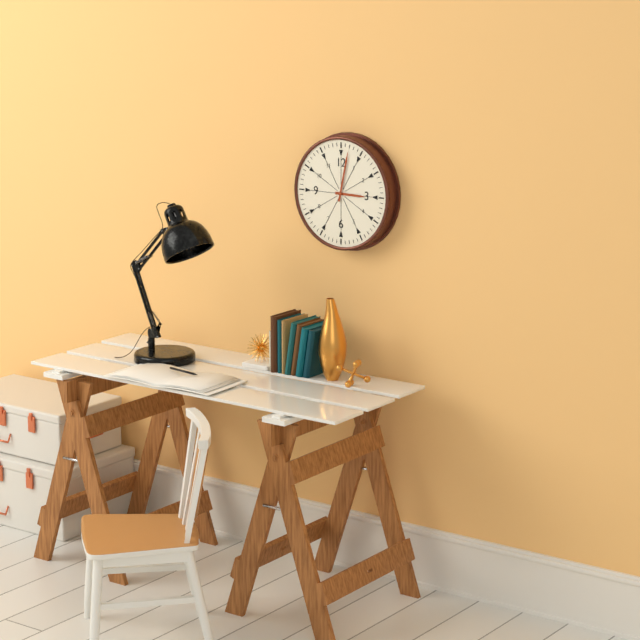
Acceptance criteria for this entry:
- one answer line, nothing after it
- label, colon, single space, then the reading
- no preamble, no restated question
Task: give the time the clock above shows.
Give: 3:02
